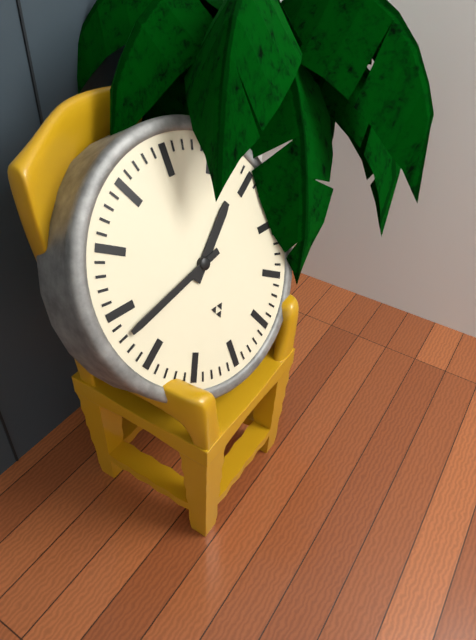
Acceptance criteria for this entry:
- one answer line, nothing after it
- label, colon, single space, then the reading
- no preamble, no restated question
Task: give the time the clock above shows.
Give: 1:43
